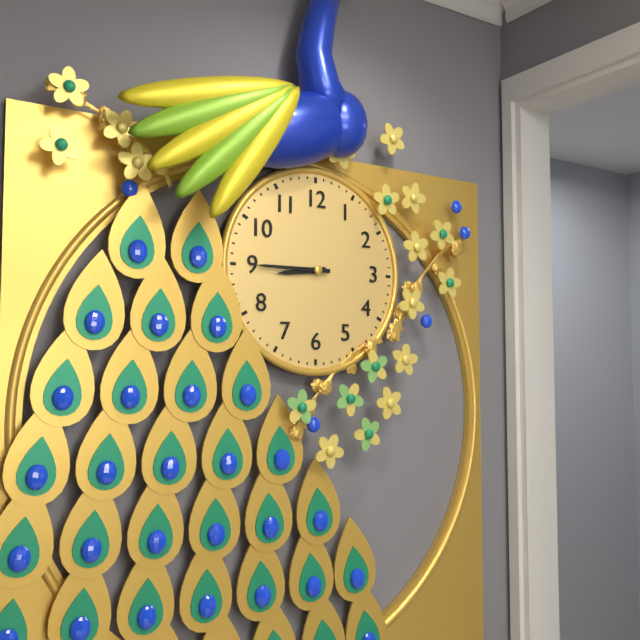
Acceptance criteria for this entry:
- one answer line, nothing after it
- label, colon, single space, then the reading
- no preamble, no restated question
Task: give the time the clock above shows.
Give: 8:45
